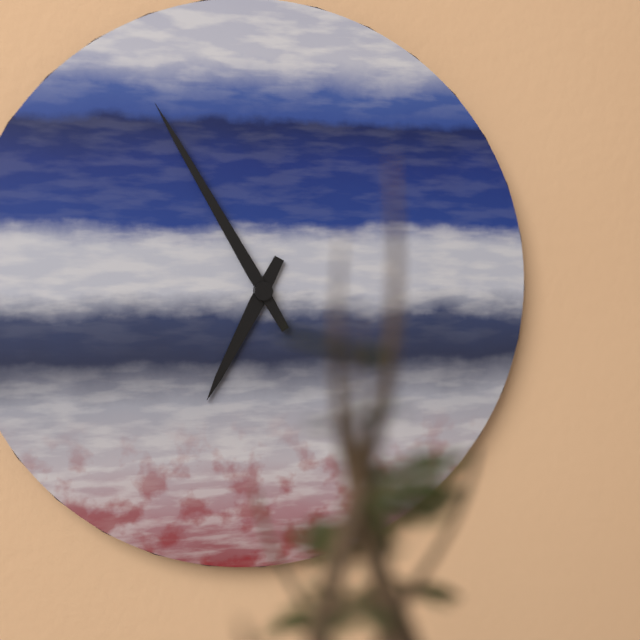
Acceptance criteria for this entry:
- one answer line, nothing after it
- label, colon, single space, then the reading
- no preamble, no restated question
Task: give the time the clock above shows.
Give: 6:55
